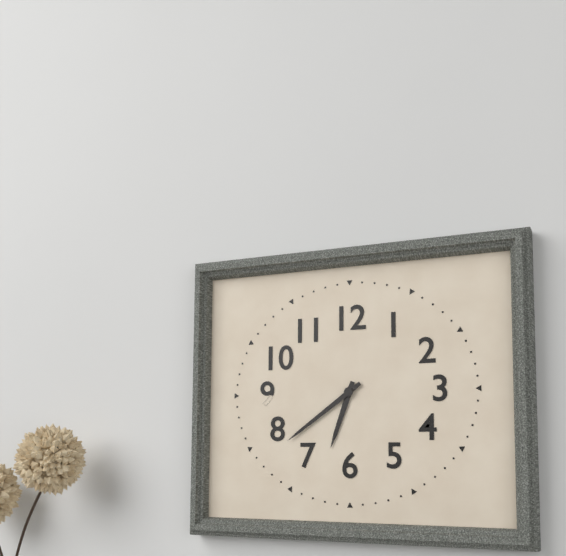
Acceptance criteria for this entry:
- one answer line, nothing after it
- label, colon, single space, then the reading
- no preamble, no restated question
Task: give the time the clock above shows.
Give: 6:39
